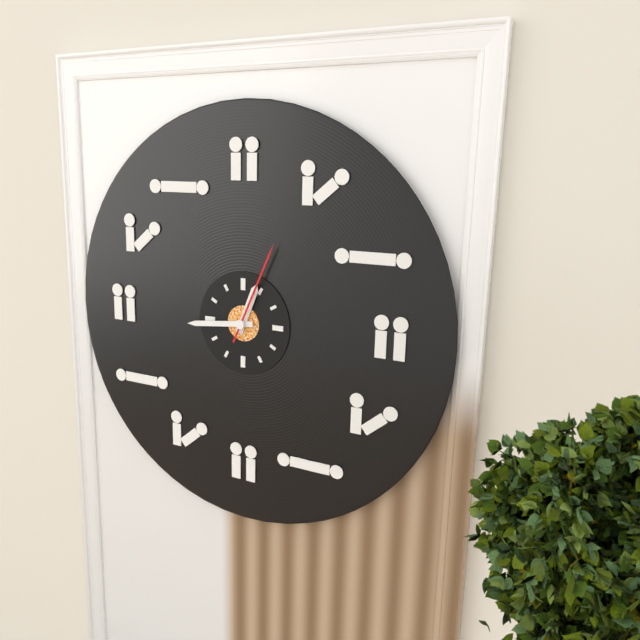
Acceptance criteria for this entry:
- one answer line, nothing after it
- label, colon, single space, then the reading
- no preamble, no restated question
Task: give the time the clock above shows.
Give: 12:44:04
